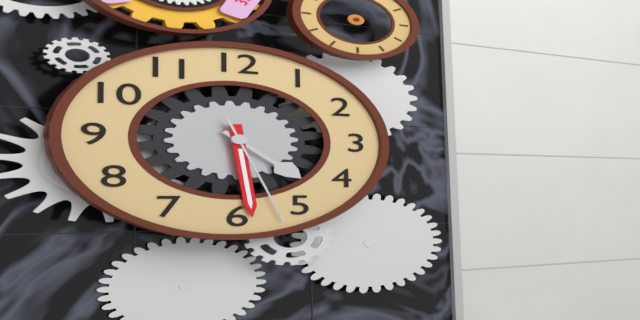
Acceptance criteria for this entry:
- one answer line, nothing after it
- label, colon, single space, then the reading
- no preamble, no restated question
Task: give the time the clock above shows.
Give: 4:29:27
